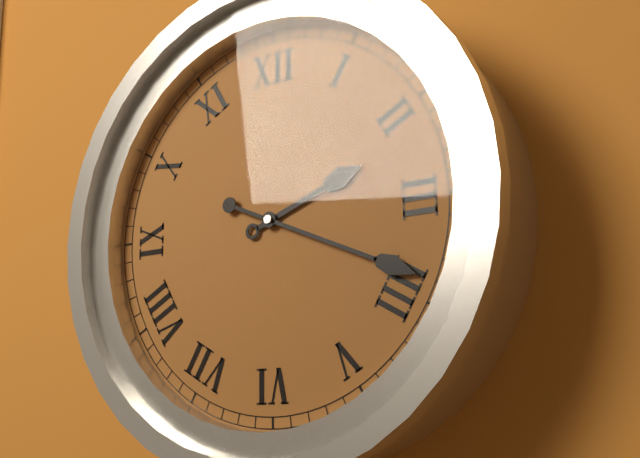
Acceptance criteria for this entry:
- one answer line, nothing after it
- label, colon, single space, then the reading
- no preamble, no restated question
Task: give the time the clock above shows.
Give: 2:19
